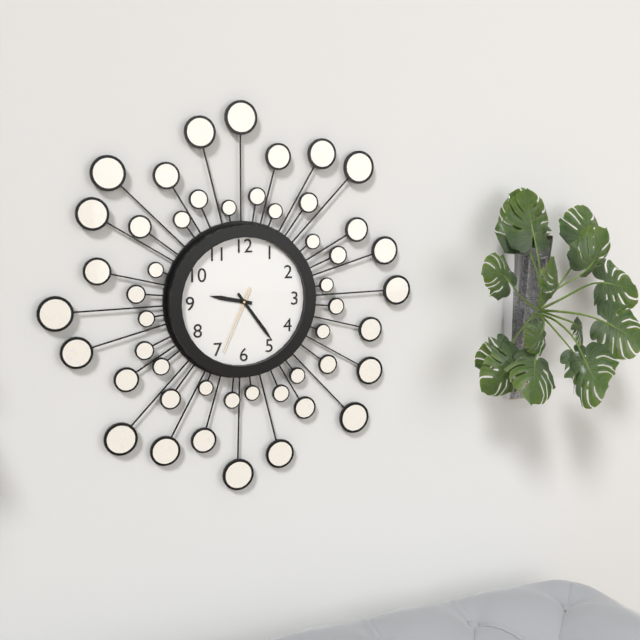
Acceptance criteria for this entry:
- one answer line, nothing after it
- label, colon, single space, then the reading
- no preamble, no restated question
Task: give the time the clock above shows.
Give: 9:24:34
